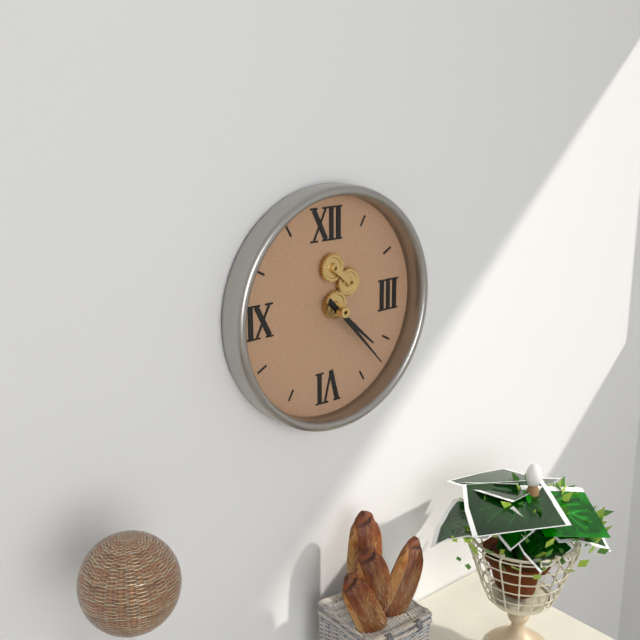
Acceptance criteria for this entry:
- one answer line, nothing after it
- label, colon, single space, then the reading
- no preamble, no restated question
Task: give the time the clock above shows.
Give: 4:23
